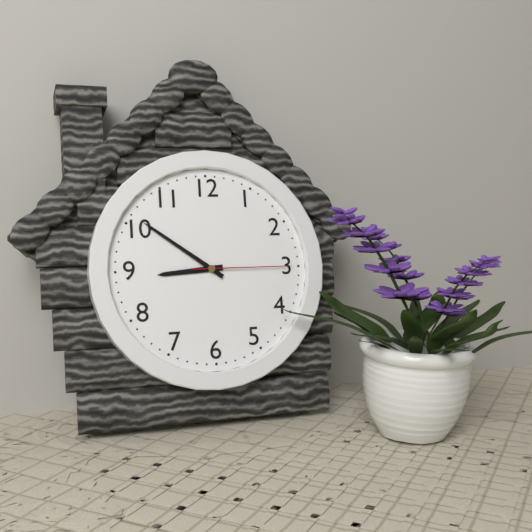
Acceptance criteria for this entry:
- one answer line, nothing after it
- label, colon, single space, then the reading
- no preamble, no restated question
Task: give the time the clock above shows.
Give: 8:51:15
